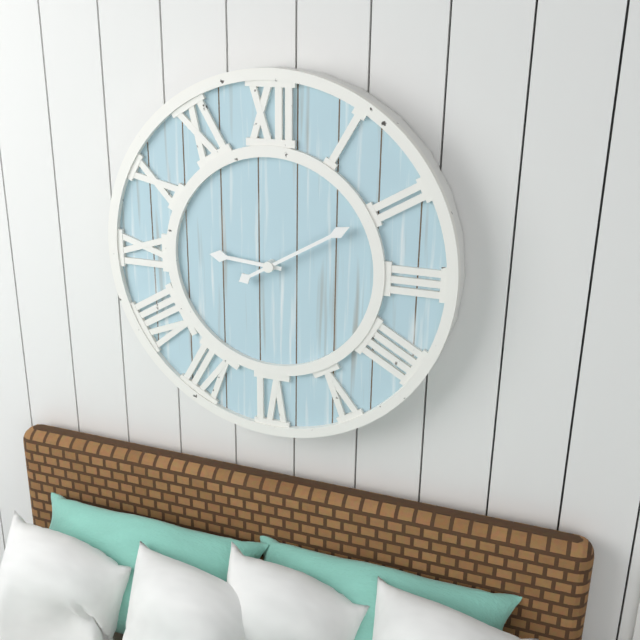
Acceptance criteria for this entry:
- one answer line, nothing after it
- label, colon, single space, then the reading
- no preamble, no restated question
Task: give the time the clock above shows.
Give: 9:10
